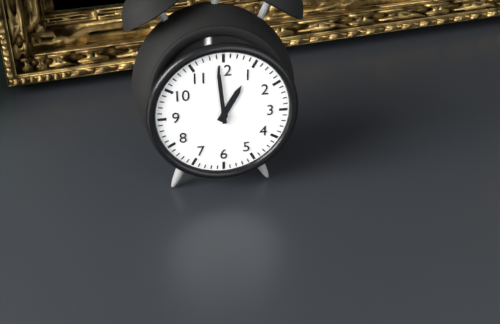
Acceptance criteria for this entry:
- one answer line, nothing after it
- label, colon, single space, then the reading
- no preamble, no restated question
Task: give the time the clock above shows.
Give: 12:59
